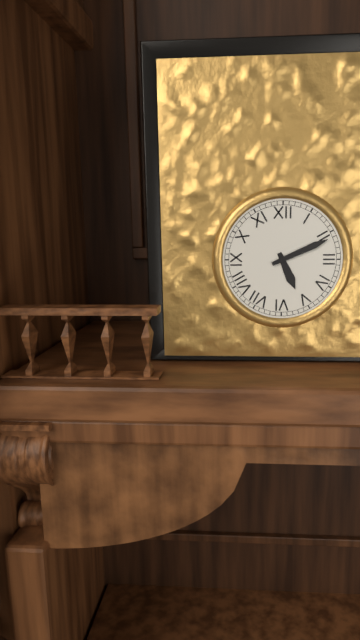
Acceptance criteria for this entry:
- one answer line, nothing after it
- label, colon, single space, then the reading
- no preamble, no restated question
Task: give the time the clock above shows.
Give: 5:11
